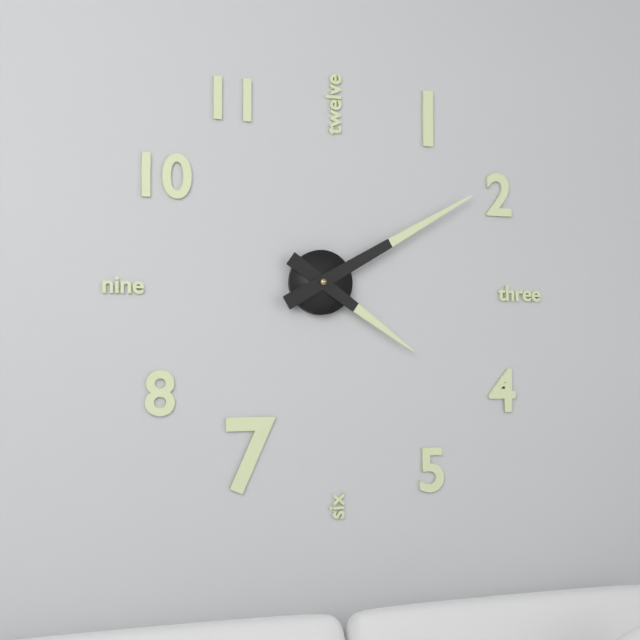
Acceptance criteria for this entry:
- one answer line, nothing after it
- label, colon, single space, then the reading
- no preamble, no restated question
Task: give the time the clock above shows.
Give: 4:10
